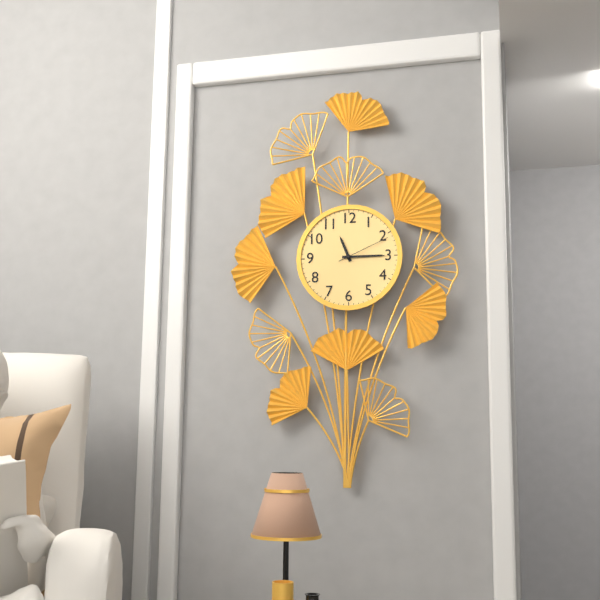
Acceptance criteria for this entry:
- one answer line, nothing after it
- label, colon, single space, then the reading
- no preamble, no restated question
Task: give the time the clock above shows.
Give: 11:15:11
